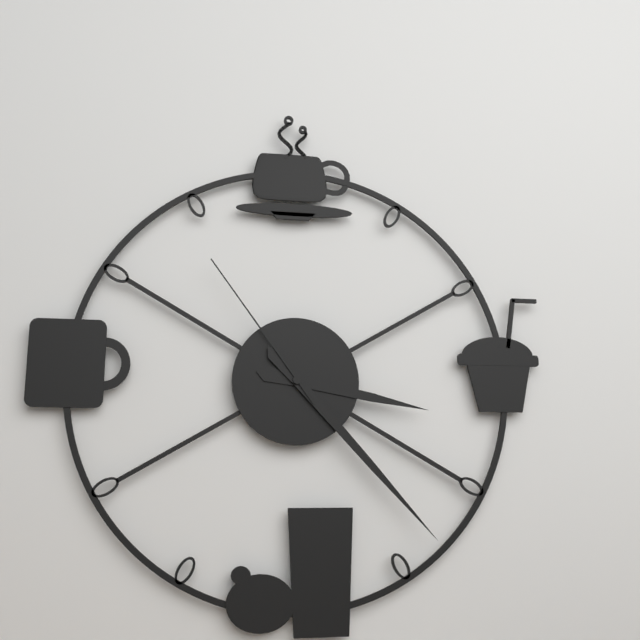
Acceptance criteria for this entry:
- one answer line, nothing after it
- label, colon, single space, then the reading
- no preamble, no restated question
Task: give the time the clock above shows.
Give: 3:23:54
